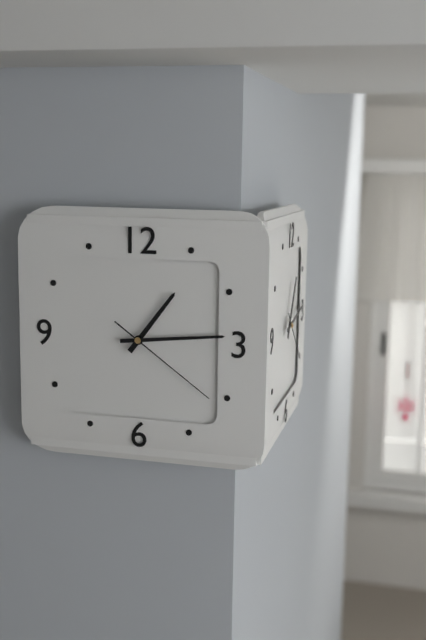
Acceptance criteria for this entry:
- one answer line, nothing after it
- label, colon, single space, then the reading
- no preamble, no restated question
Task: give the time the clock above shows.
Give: 1:14:21
